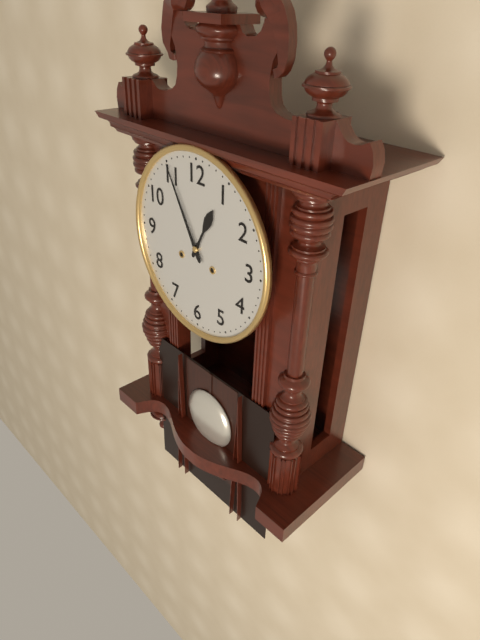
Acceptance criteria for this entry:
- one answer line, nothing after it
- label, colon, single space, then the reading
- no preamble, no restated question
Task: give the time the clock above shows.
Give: 12:55
